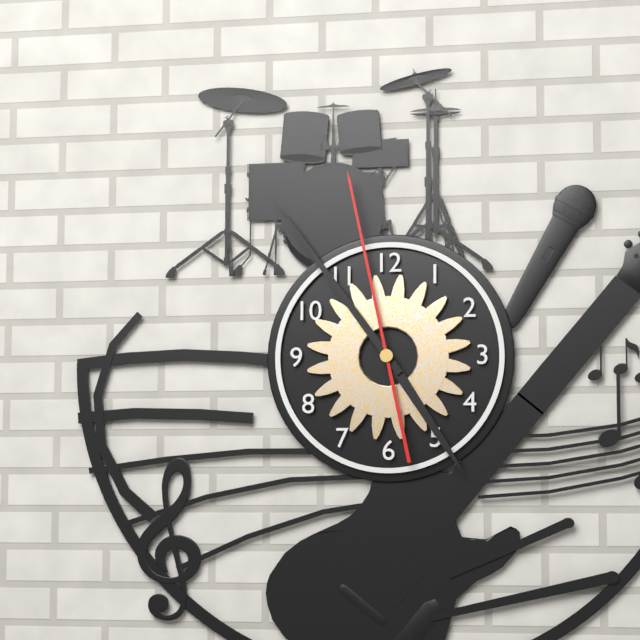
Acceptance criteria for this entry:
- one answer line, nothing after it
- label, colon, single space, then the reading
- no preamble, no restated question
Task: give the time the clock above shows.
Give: 4:54:58
